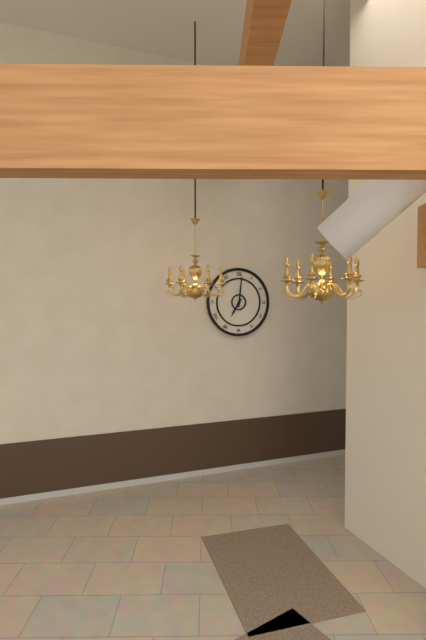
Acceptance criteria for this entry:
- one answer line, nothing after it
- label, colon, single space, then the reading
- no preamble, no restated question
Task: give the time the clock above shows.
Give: 7:01
